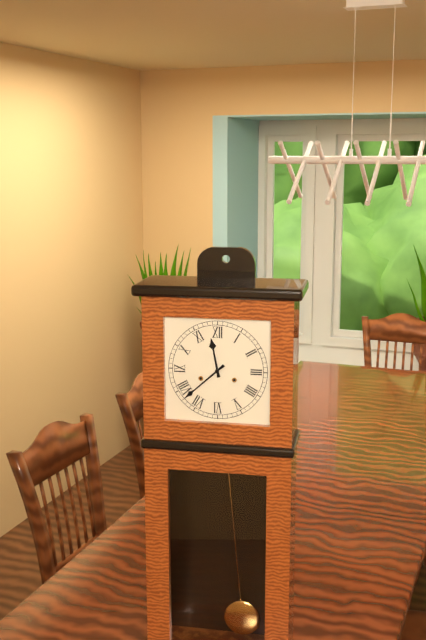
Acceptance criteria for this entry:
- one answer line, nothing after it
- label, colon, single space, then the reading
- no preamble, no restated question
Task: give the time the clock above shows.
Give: 11:38
